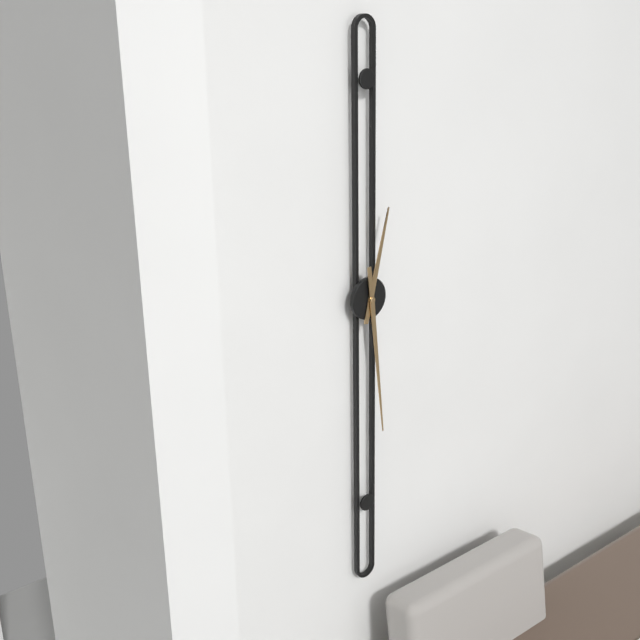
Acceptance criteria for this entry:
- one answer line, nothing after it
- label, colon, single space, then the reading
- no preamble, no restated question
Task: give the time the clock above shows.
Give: 12:29
